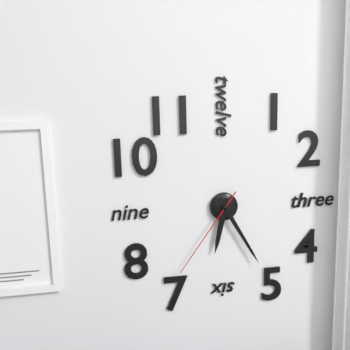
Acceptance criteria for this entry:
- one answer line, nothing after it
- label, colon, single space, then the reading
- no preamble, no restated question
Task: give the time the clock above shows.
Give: 6:25:36
